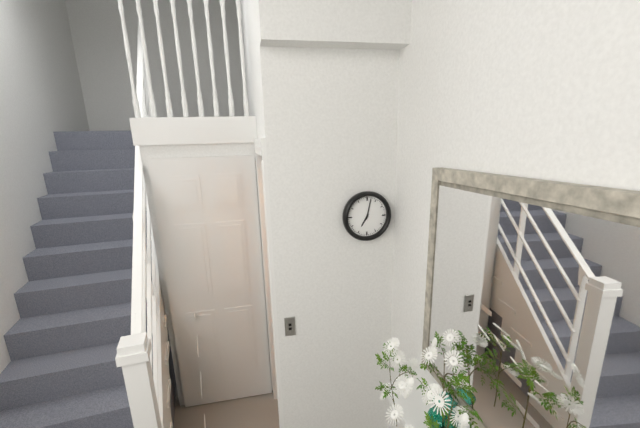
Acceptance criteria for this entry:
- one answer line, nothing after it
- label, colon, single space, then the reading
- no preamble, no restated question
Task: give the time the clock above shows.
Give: 7:02
